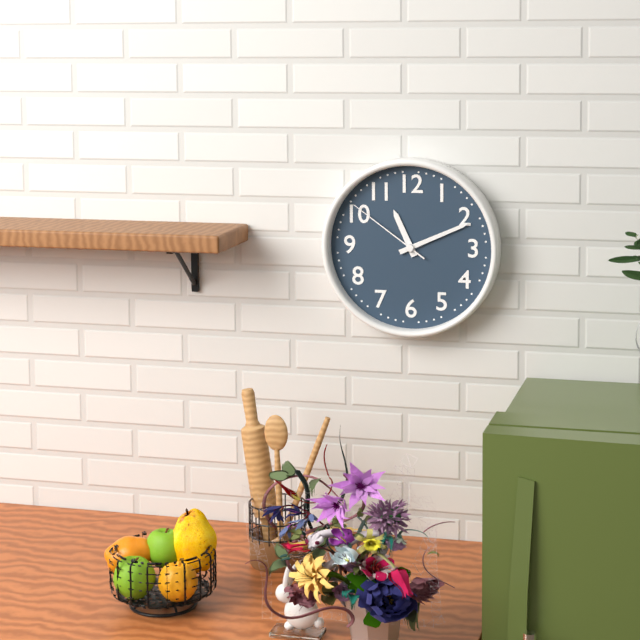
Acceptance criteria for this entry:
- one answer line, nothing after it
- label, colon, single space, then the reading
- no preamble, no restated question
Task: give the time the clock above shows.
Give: 11:11:51
